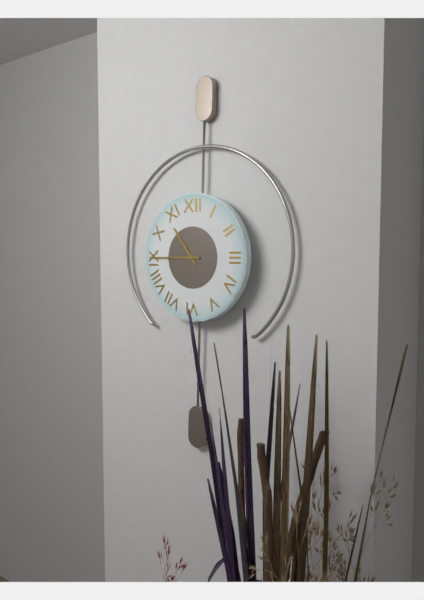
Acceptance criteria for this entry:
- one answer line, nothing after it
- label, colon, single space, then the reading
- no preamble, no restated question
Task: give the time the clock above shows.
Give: 10:45
